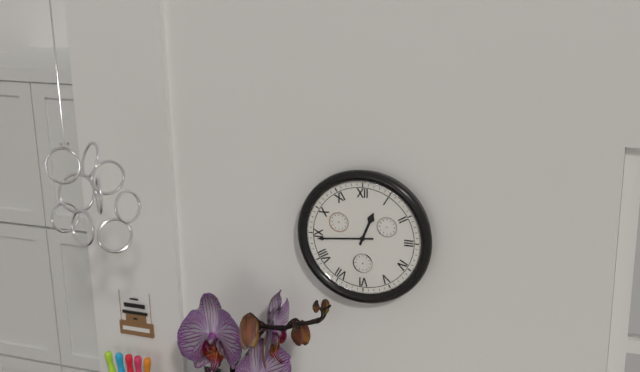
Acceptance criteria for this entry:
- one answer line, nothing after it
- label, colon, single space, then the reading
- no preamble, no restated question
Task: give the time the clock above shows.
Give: 12:44
